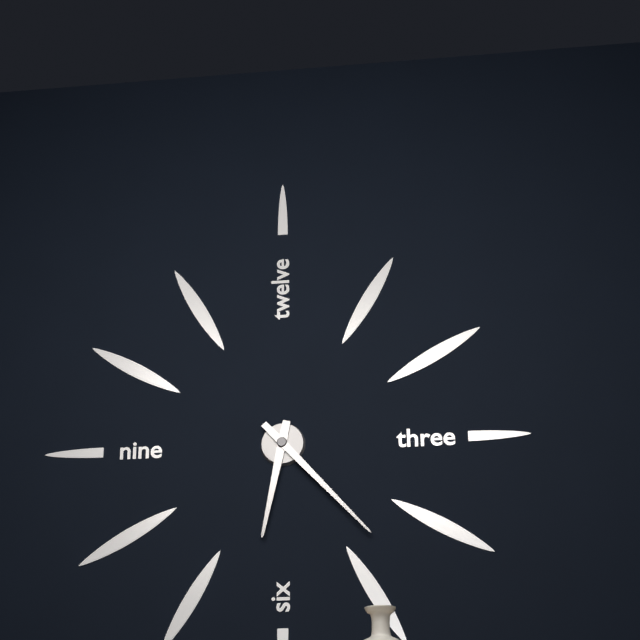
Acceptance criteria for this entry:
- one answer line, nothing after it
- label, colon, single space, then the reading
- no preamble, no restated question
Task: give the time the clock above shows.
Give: 6:23
